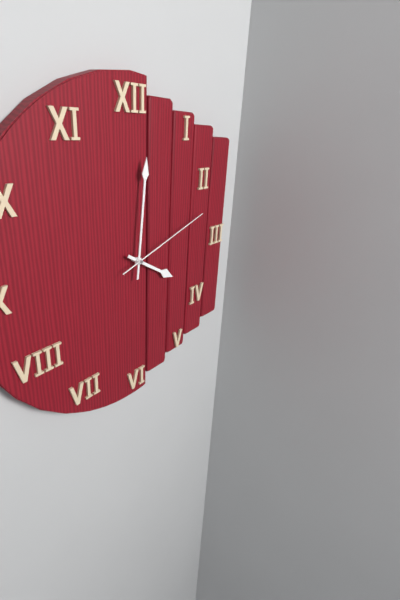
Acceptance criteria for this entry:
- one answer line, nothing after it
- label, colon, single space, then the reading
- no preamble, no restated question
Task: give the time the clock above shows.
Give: 4:01:12
